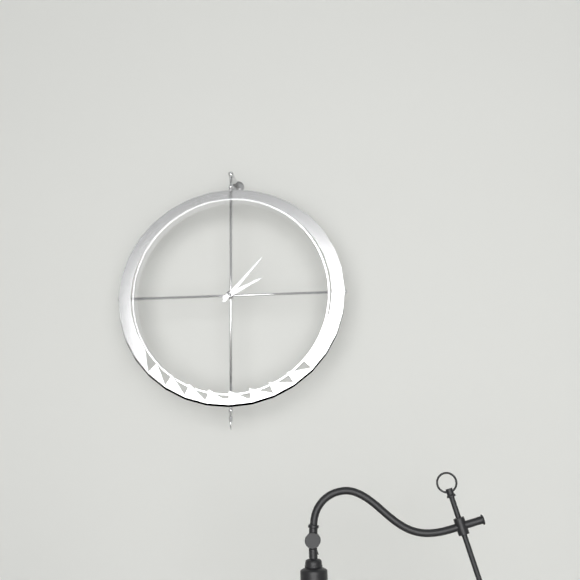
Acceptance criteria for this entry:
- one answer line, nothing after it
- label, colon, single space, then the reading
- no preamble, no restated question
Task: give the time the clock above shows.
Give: 2:07
